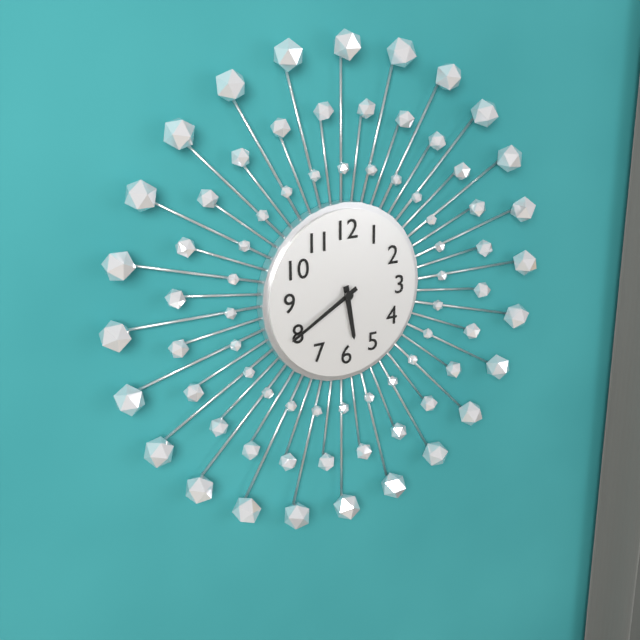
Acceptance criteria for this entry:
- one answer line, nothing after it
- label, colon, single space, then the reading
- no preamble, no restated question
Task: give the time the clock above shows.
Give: 5:40
